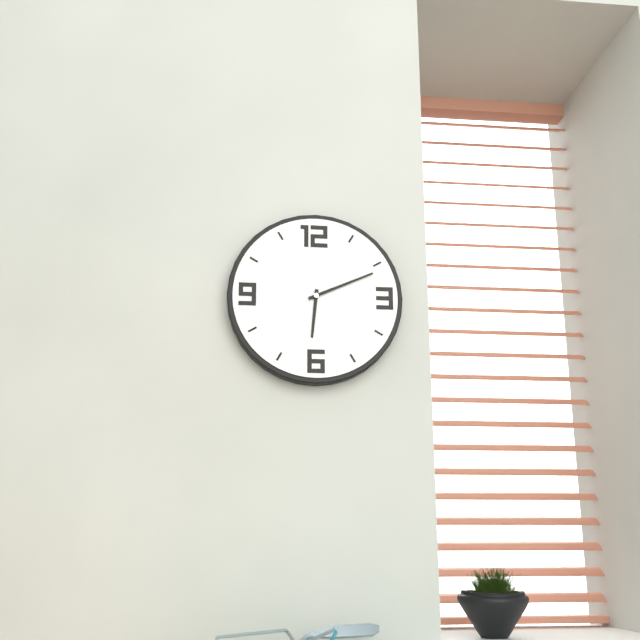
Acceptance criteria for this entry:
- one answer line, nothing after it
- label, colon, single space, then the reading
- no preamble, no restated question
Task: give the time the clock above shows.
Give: 6:11
